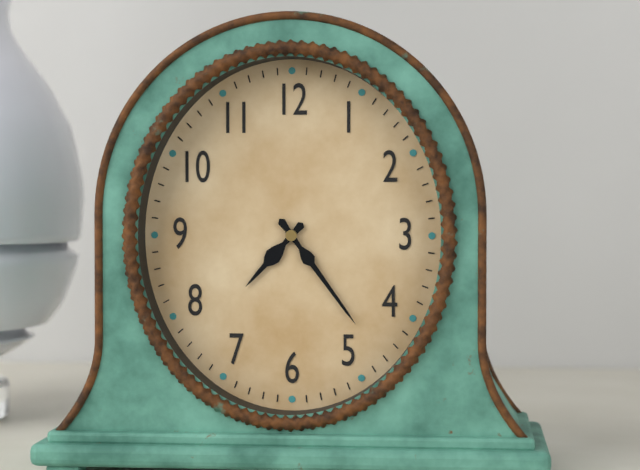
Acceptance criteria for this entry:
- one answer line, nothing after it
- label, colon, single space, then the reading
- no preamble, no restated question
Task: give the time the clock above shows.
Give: 7:24
